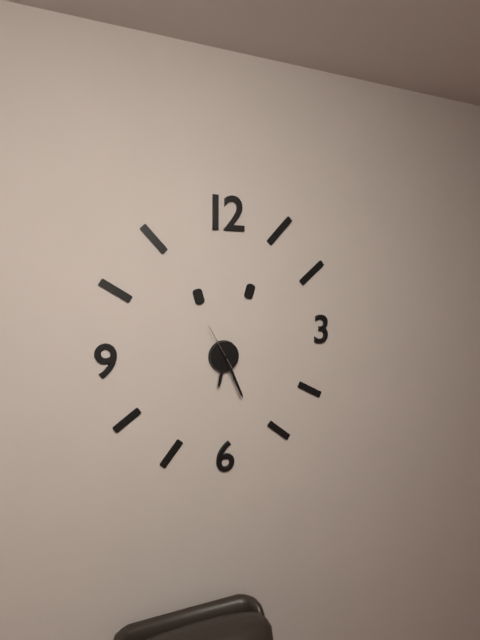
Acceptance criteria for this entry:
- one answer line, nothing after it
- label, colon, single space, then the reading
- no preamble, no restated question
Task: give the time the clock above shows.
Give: 6:26
